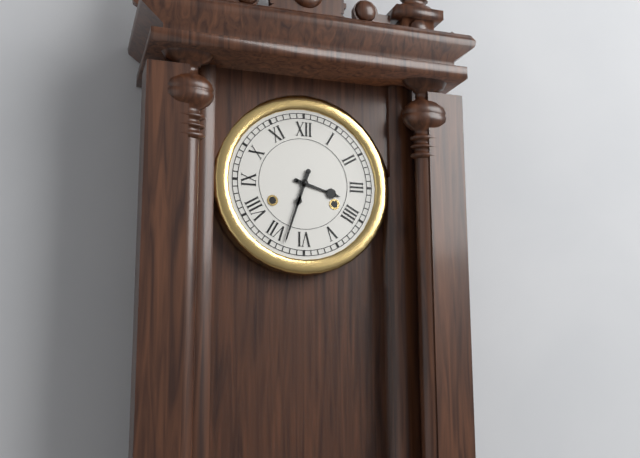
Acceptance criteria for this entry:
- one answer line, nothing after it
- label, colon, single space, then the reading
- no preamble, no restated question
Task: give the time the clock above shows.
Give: 3:33
